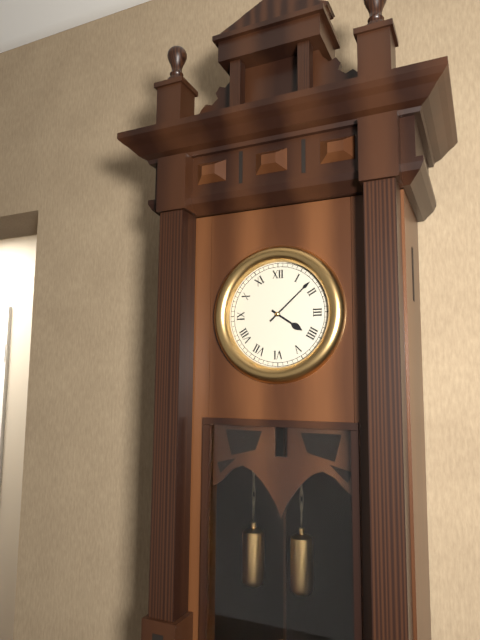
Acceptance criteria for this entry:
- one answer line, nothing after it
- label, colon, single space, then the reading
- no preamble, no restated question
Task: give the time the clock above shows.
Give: 4:08
